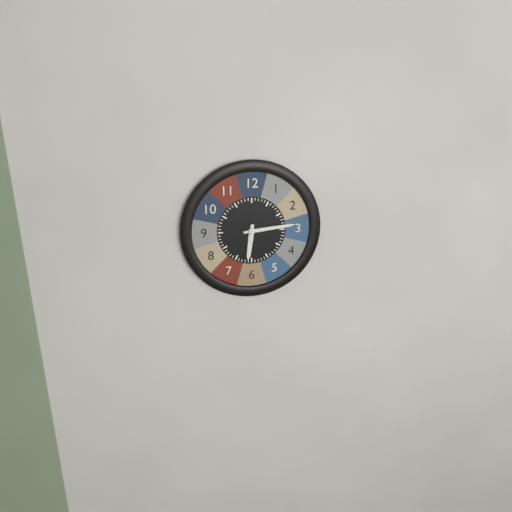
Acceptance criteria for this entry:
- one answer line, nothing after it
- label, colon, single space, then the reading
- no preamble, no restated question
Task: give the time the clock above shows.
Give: 6:14
